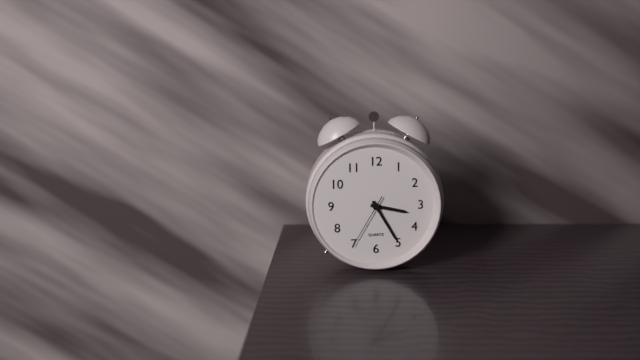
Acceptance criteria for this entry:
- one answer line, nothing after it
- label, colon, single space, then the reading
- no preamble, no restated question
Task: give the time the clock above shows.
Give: 3:25:35
